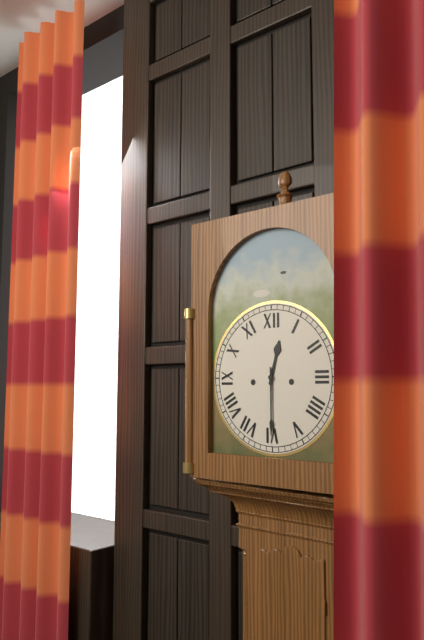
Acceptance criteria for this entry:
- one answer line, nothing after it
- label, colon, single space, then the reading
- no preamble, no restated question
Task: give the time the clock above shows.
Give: 12:30
